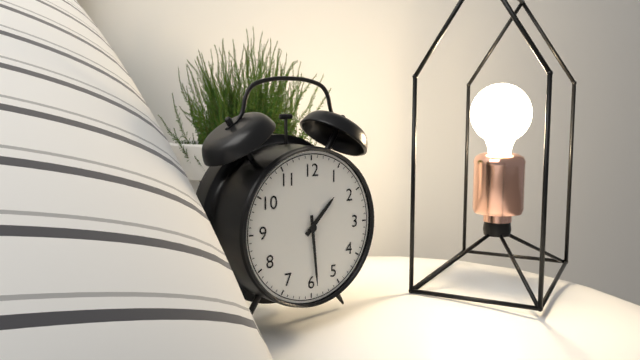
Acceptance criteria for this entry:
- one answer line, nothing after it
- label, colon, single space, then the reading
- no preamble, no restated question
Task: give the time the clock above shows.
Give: 1:29
